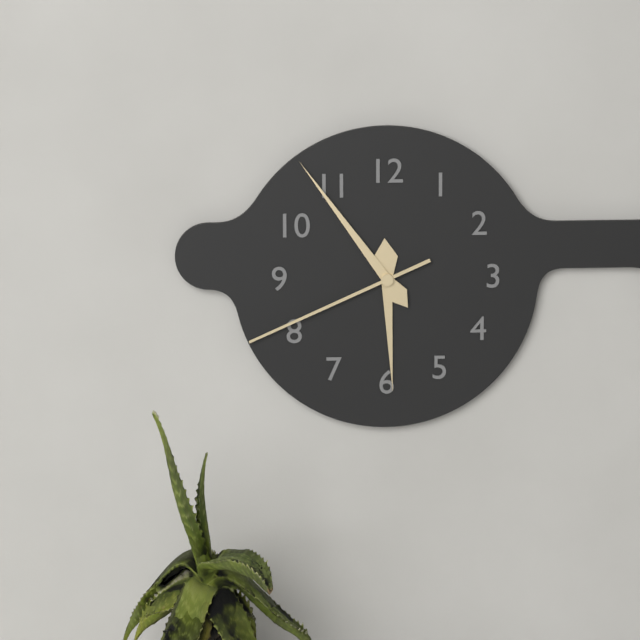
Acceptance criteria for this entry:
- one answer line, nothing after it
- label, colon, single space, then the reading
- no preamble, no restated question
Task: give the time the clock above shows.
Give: 5:54:41
